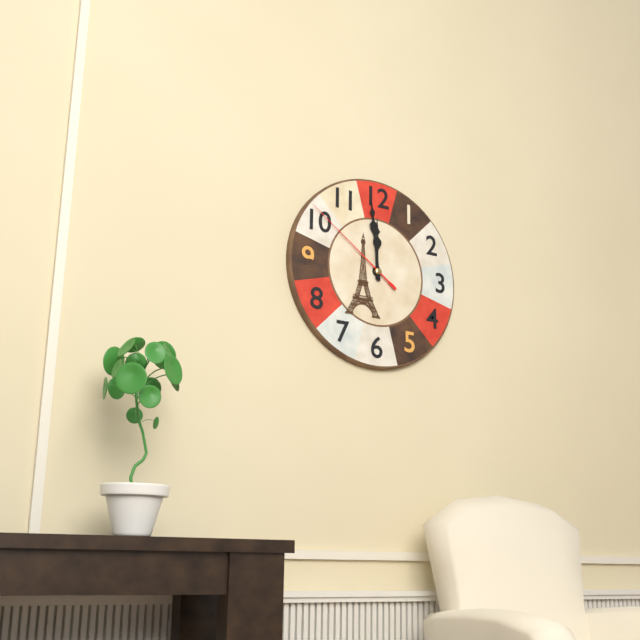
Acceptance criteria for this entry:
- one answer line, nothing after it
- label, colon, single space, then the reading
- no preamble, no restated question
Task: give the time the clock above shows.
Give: 11:59:51
